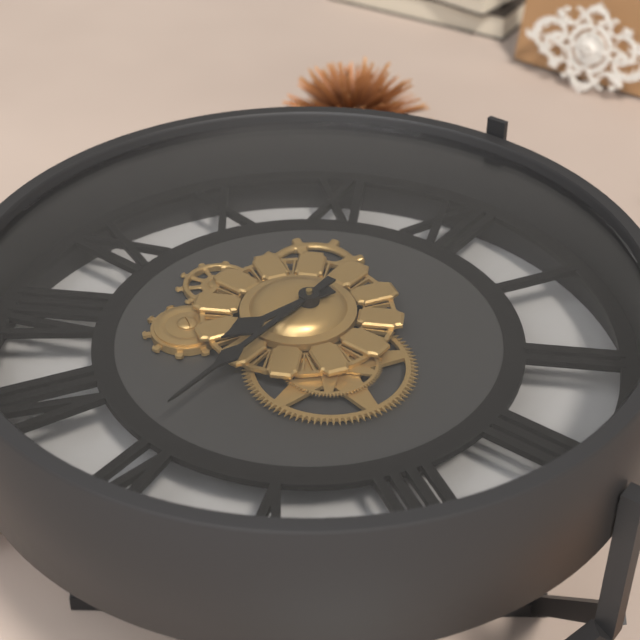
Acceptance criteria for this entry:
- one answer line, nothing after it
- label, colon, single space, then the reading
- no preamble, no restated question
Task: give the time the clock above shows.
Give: 6:30
